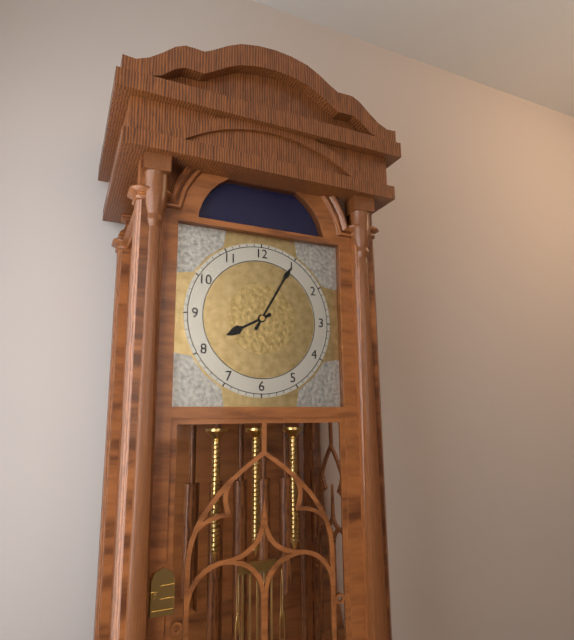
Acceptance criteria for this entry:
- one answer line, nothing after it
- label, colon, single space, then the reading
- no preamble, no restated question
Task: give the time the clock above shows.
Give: 8:05
